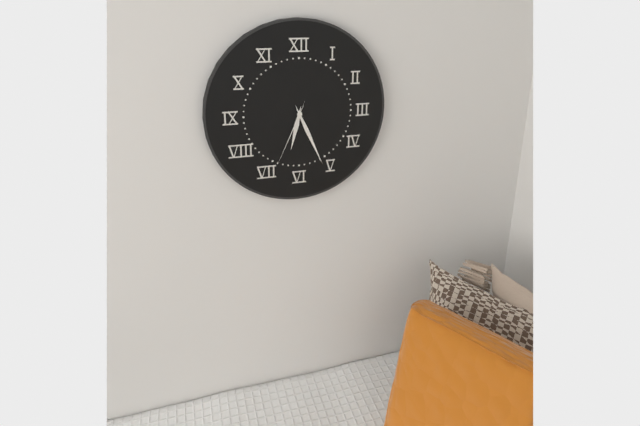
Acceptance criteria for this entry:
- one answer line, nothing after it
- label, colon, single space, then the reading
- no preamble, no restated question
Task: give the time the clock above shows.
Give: 6:26:34
